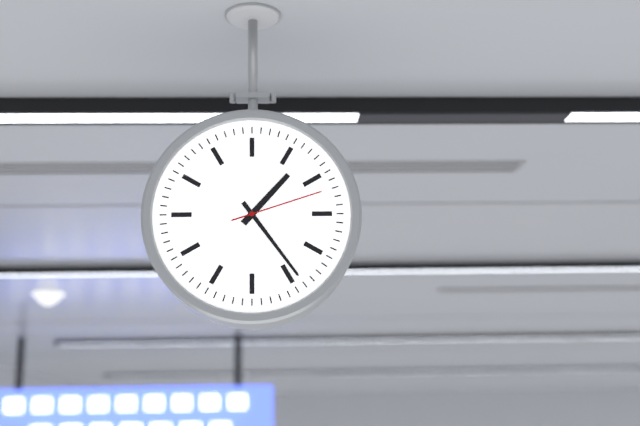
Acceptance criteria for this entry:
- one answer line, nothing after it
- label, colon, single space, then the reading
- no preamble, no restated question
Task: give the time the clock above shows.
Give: 1:24:12
